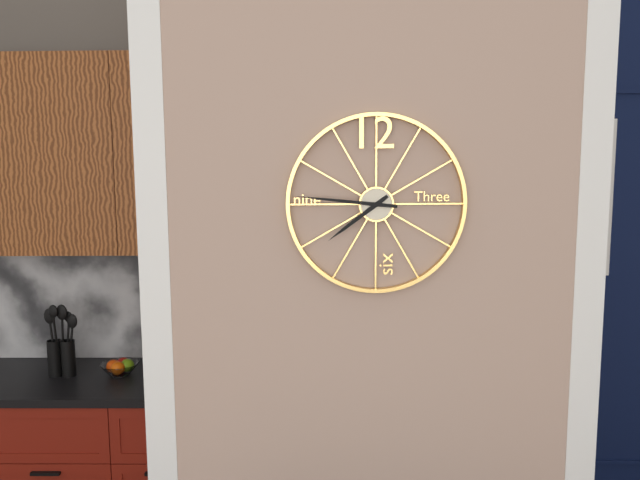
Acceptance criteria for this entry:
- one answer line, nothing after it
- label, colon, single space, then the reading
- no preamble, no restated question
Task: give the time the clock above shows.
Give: 7:46
